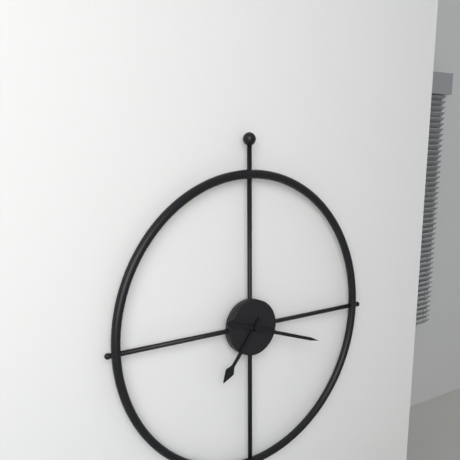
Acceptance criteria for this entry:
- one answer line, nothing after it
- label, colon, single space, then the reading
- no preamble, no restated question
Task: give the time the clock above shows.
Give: 7:18
